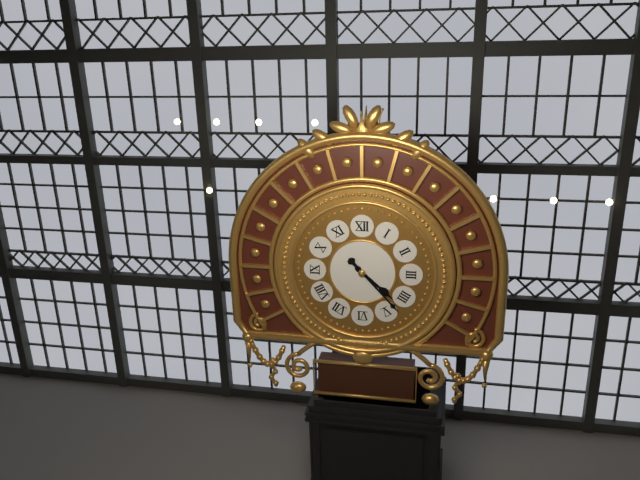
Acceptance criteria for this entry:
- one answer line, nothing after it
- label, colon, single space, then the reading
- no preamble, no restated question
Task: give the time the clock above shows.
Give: 4:23
